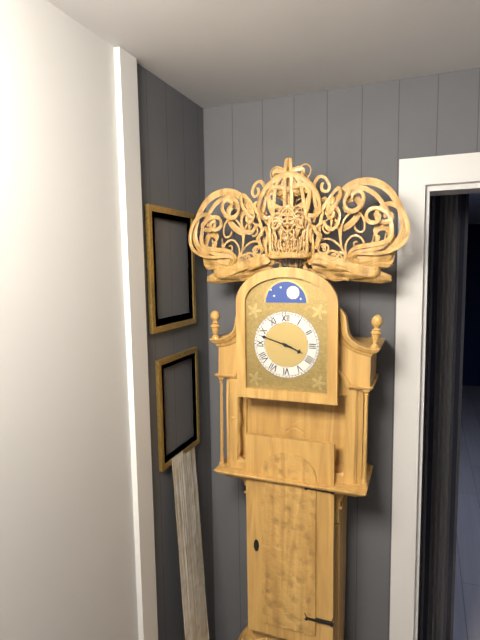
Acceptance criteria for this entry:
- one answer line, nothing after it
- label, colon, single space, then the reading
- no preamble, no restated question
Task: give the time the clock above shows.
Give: 3:48
